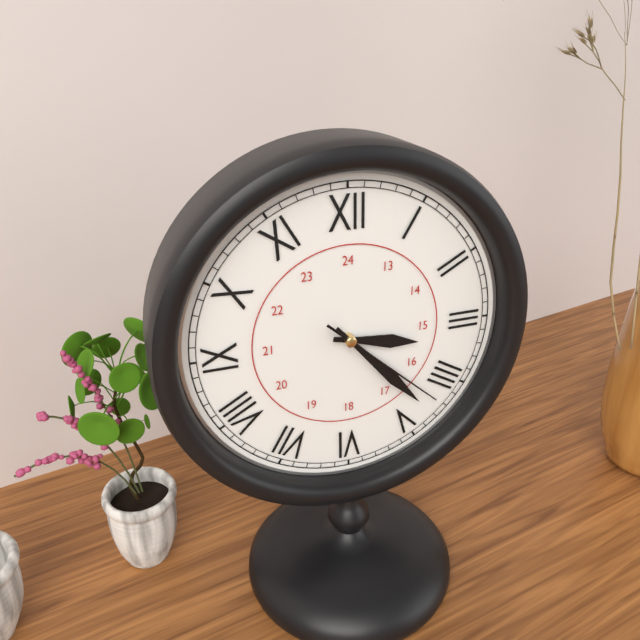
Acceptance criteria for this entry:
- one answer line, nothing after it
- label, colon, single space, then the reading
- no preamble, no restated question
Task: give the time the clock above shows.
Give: 3:23:22
